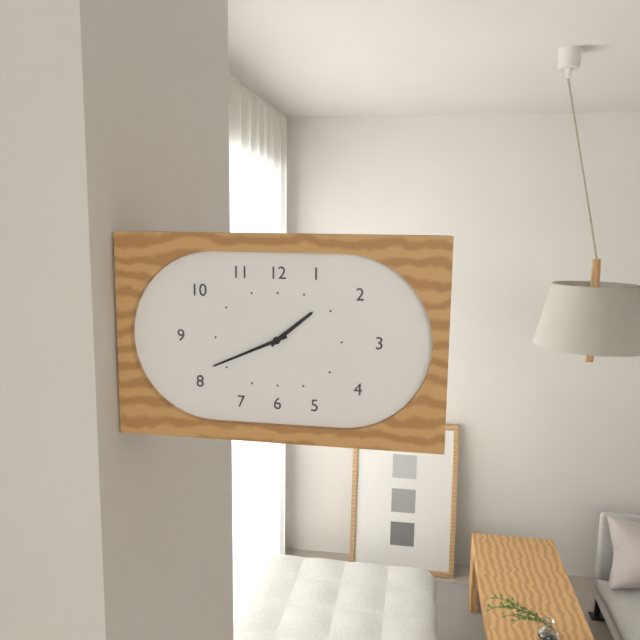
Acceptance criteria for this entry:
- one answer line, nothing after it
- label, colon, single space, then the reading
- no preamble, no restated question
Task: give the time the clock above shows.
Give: 1:41
